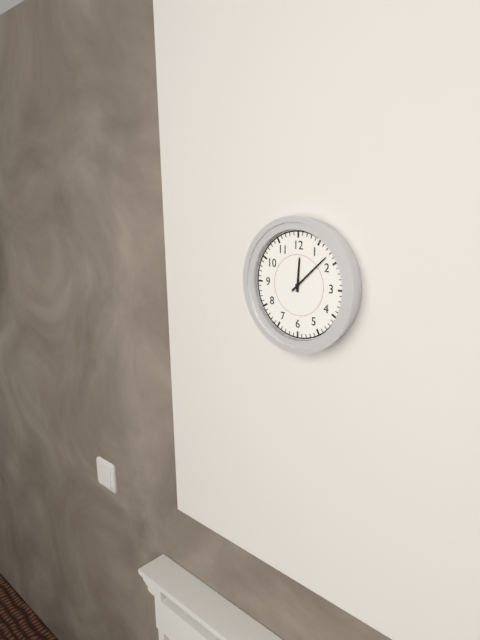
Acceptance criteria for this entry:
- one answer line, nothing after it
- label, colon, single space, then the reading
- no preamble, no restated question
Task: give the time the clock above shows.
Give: 12:08
